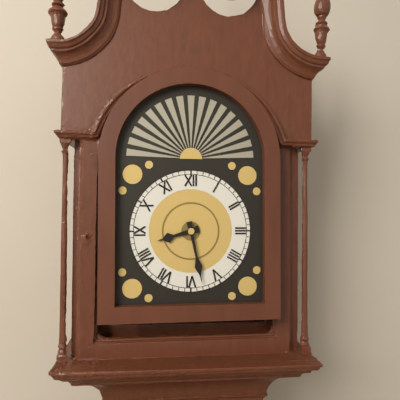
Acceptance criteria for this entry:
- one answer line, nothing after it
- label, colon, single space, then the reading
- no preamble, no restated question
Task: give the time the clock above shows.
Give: 8:28
